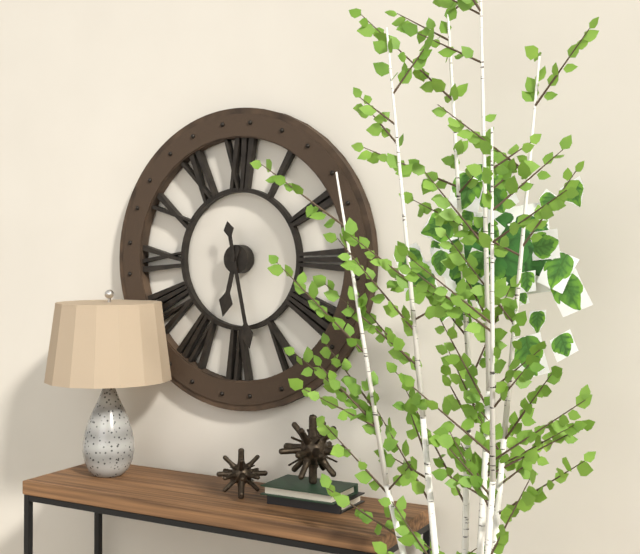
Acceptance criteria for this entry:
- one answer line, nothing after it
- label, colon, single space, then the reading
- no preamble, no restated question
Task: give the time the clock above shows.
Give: 6:28
